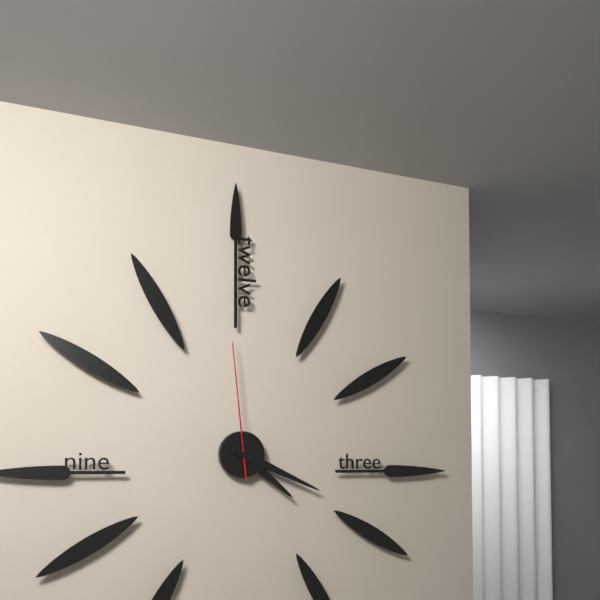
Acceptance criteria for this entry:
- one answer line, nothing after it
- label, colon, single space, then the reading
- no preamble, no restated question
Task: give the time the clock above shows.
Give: 4:19:59
